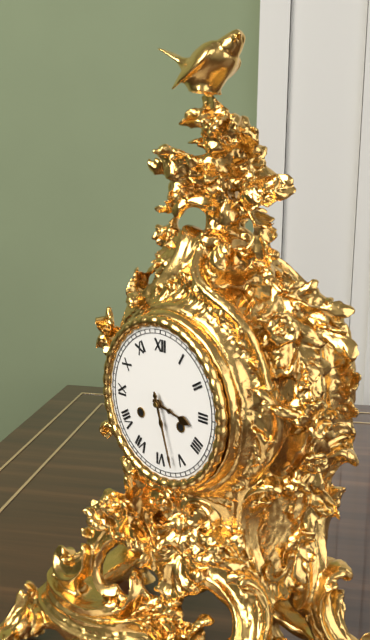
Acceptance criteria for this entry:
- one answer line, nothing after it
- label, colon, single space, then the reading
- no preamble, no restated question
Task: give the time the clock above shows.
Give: 3:27
